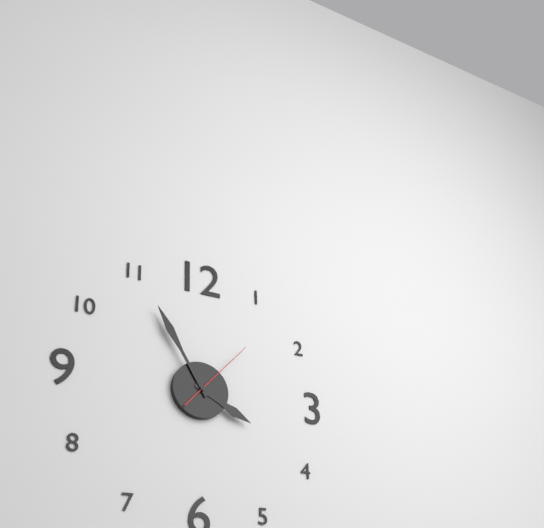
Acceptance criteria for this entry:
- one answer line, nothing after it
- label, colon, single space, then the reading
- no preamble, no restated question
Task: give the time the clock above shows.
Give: 3:55:07
